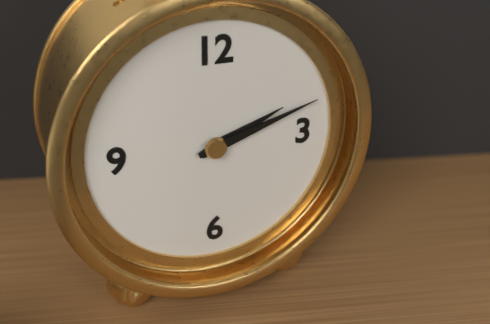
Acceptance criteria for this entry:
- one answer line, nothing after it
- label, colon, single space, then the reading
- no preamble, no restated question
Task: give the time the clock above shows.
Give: 2:12
